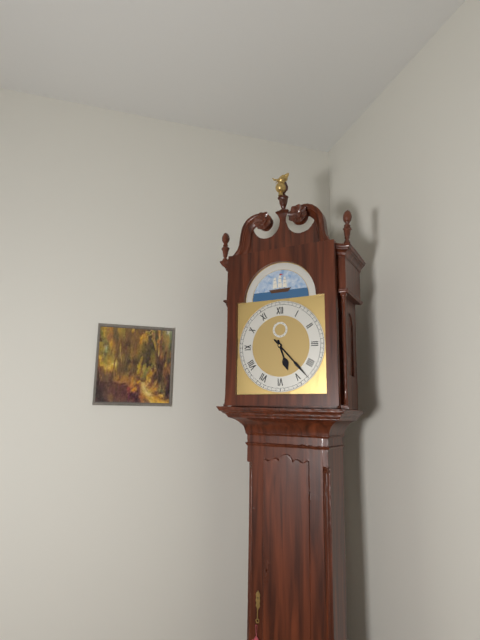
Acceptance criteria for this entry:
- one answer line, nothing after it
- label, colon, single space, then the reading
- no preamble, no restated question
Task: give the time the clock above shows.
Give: 5:23
